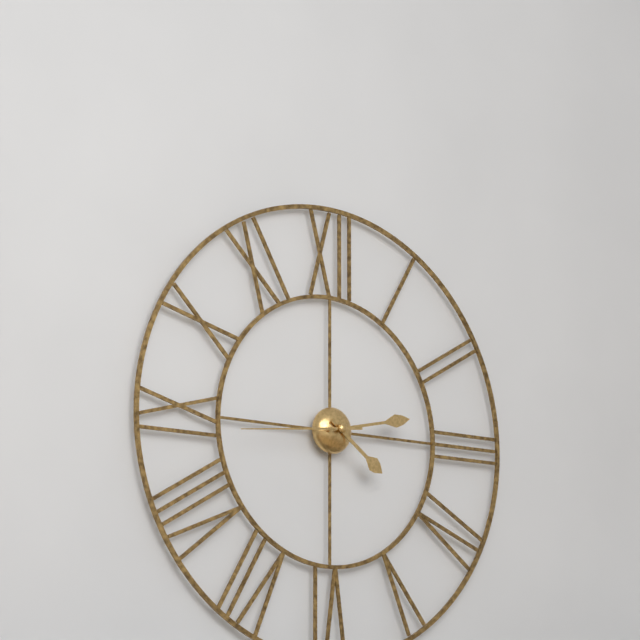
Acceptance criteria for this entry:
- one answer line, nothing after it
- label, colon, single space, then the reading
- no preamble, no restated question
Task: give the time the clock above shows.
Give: 4:13:44
